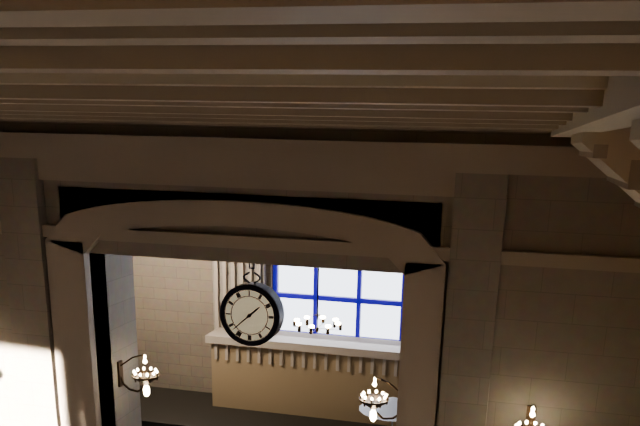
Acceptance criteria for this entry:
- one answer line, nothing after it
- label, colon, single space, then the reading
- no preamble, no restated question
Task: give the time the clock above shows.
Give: 1:38
